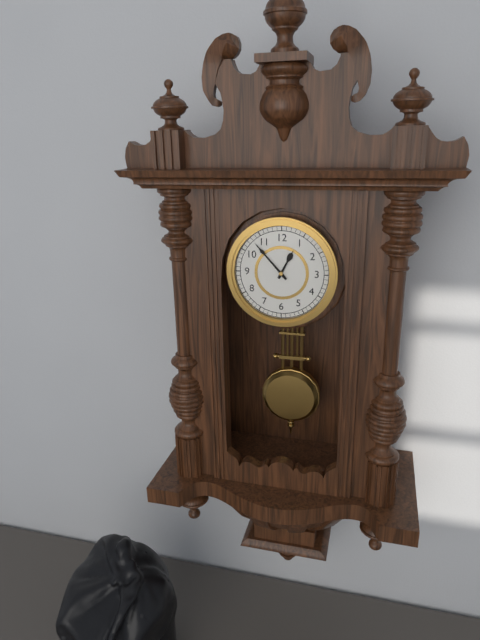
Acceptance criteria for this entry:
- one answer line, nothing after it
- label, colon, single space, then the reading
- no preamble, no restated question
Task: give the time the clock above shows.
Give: 12:53
